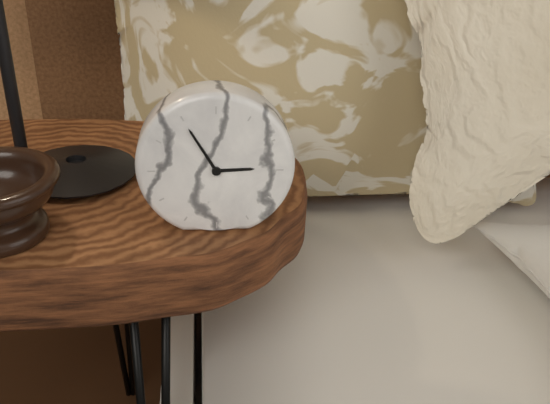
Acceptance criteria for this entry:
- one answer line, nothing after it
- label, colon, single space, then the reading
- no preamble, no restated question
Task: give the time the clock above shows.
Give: 2:55
